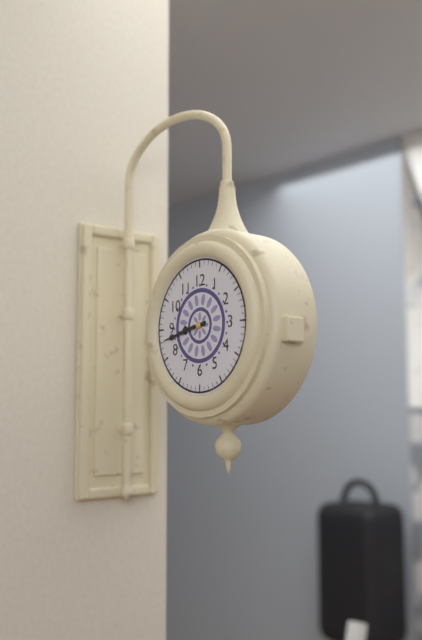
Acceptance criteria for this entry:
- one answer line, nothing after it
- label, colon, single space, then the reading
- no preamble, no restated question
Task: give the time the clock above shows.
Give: 8:43
